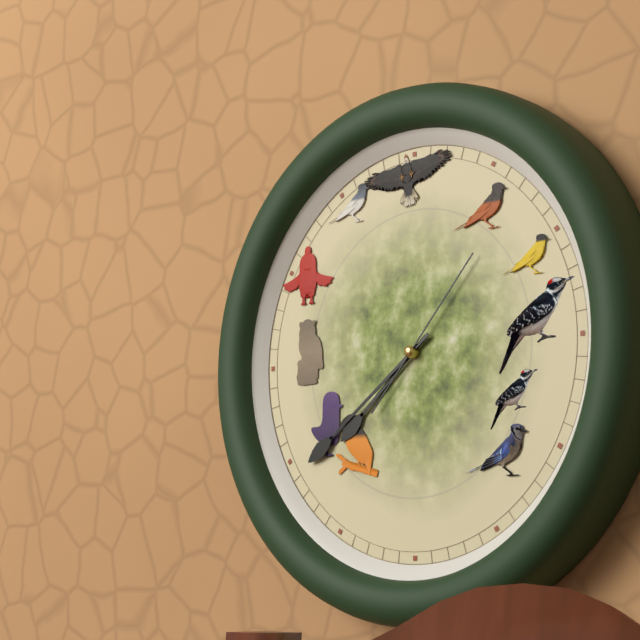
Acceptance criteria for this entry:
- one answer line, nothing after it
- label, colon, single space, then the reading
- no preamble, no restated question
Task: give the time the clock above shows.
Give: 7:39:07
